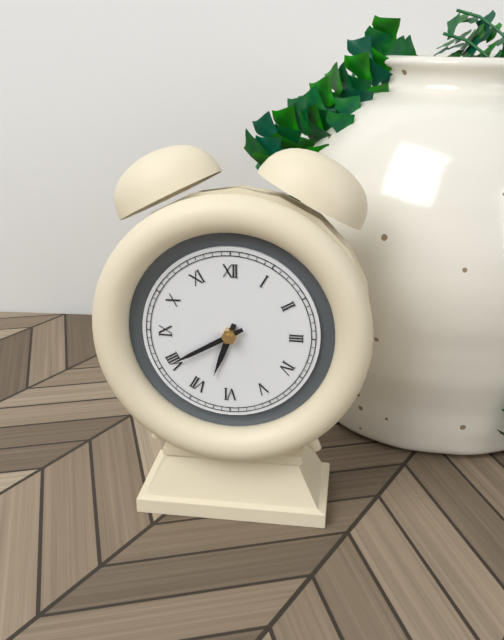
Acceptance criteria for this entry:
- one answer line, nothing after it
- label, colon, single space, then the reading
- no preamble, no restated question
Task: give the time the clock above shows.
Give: 6:40
